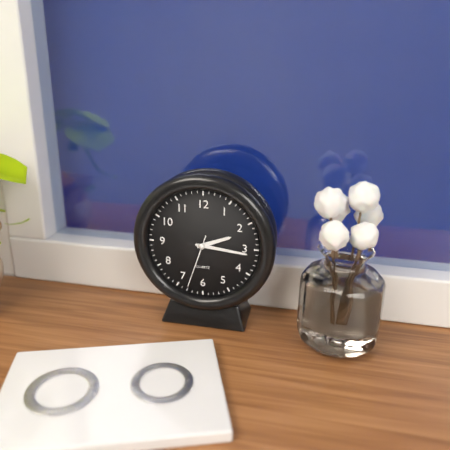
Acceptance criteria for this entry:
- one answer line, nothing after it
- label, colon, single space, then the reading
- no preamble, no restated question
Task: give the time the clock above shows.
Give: 2:16:33
